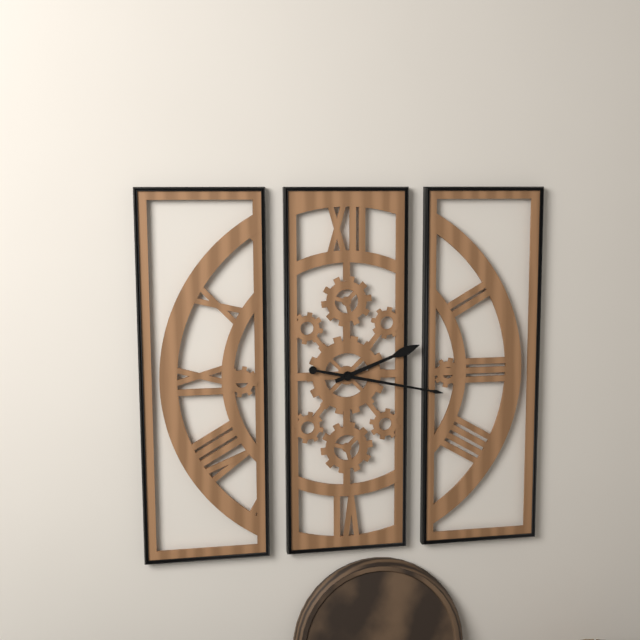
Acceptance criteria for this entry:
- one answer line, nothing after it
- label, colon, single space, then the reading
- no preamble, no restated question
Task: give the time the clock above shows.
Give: 2:17
